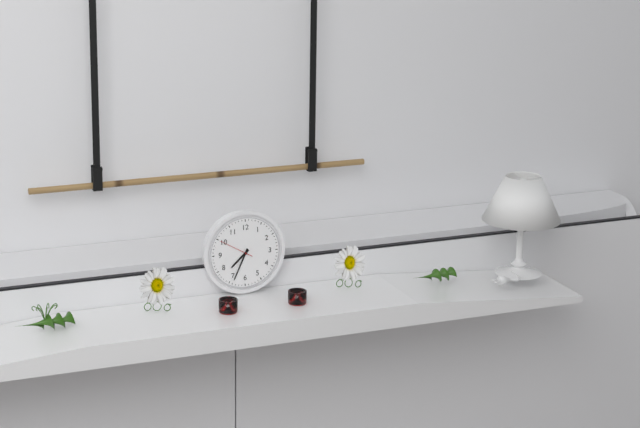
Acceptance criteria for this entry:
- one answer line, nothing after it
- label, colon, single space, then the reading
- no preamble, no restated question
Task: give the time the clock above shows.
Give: 7:34
